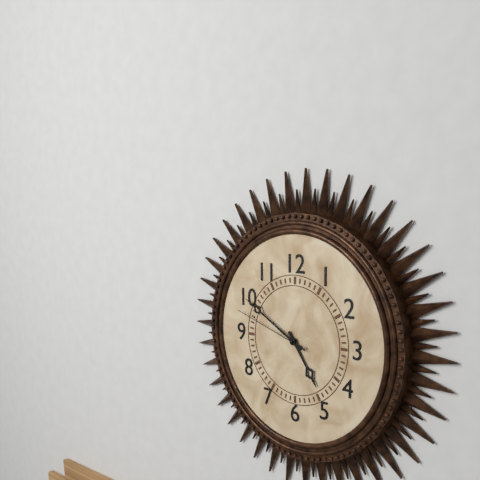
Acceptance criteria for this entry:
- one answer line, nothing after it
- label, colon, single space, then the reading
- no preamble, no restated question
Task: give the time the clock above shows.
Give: 4:50:48
